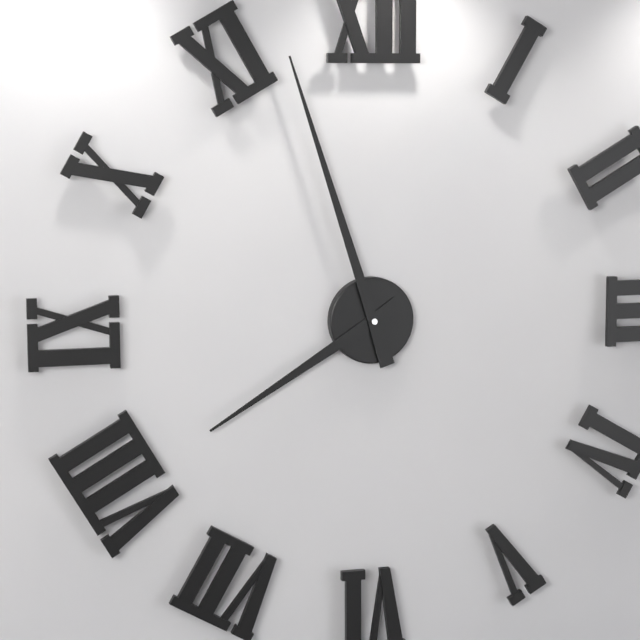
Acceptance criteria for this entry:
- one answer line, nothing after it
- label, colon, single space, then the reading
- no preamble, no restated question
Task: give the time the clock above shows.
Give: 7:57
